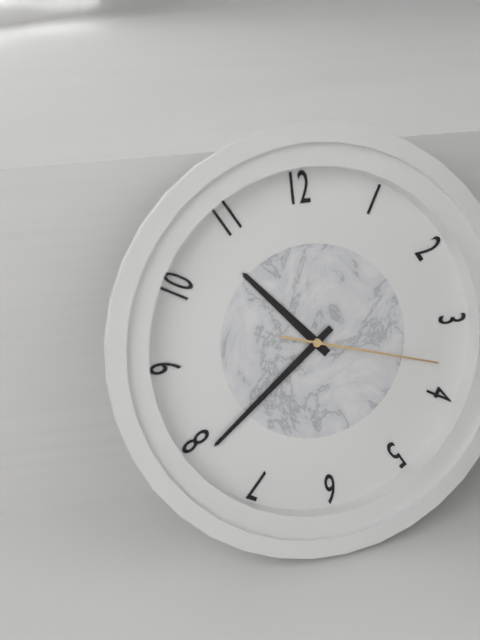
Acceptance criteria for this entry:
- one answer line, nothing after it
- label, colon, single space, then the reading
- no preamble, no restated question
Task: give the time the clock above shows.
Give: 10:39:18
